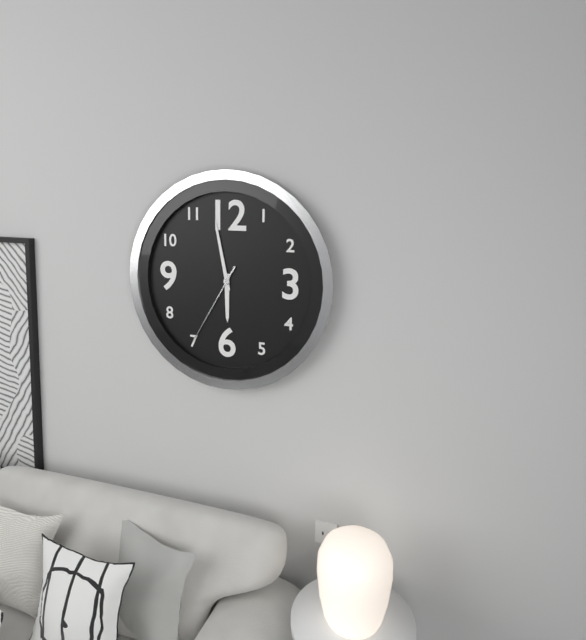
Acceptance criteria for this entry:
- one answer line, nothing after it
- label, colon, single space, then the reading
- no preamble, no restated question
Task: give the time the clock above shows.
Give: 5:58:35
